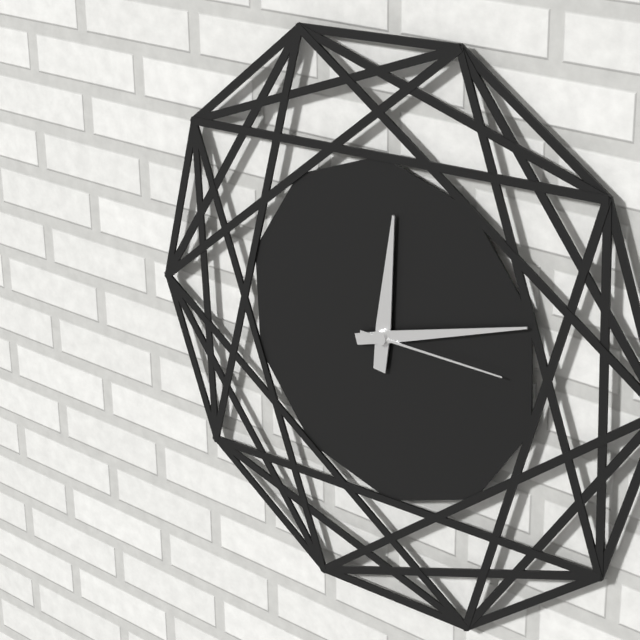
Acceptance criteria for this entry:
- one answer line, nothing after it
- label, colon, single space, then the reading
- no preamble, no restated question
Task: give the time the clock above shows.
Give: 12:12:15
